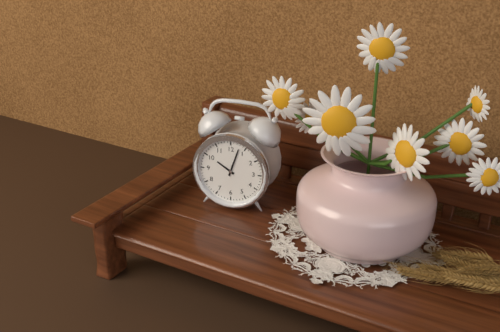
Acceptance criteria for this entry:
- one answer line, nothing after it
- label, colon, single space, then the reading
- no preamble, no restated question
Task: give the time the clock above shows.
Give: 10:03
